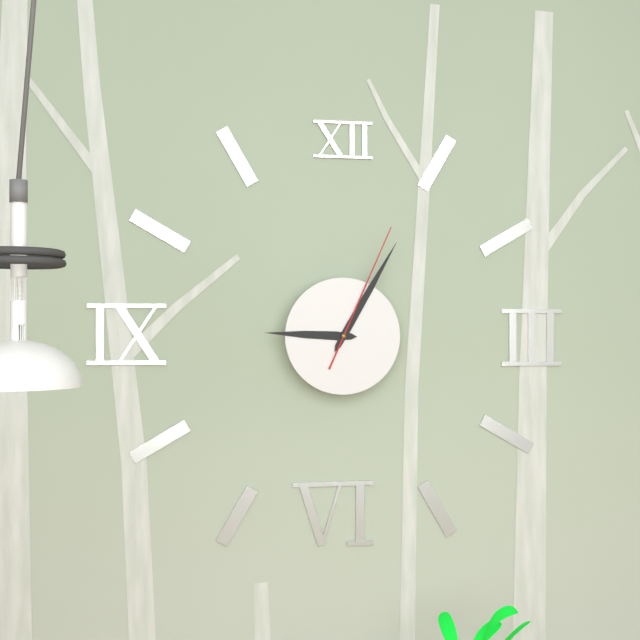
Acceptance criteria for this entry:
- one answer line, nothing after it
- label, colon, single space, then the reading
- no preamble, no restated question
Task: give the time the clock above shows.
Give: 9:05:04
